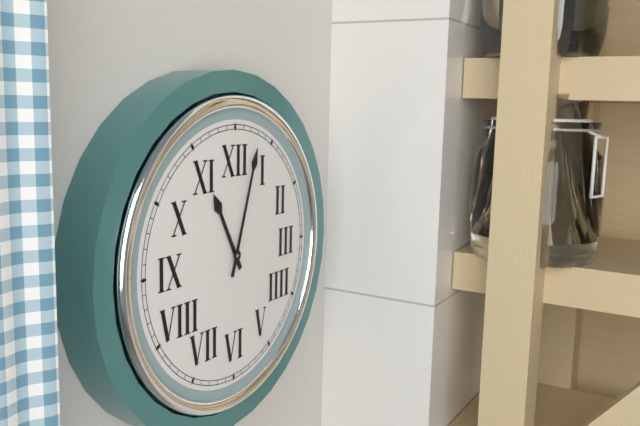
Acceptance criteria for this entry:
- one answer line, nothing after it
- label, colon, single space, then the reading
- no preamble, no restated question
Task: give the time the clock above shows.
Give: 11:03
